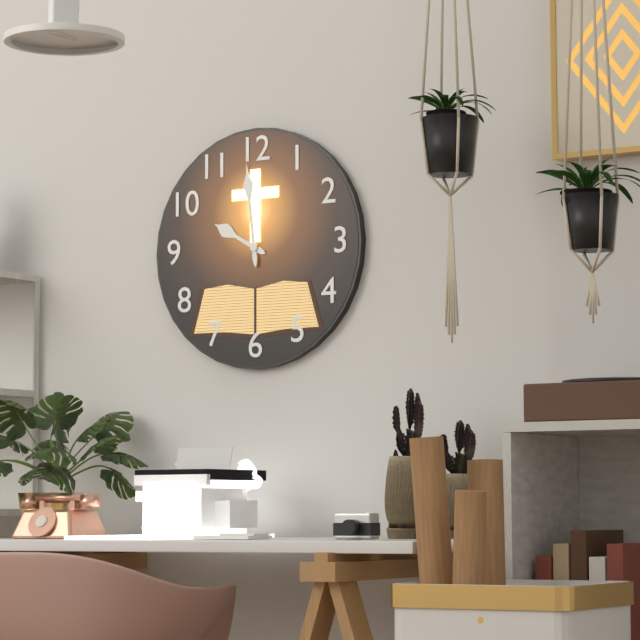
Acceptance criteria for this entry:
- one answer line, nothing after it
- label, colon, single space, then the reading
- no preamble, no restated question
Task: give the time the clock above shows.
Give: 9:59
